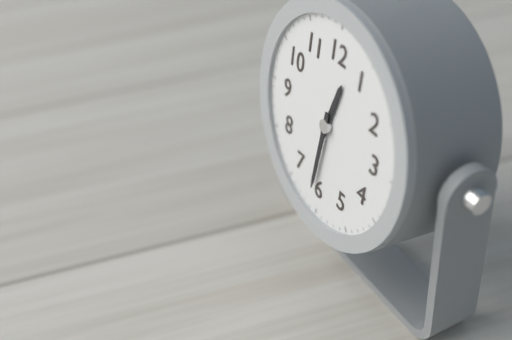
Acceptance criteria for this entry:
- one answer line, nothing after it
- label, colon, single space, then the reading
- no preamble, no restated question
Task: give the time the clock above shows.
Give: 12:31
